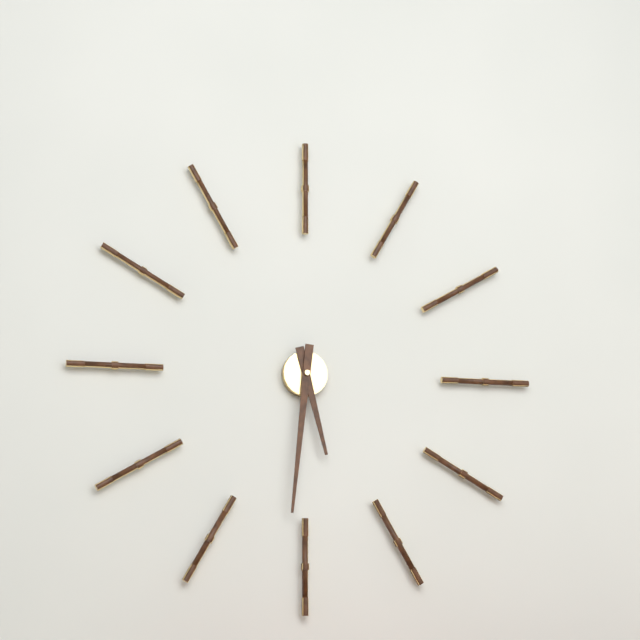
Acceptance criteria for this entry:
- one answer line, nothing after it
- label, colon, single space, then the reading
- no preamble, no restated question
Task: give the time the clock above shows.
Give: 5:31
